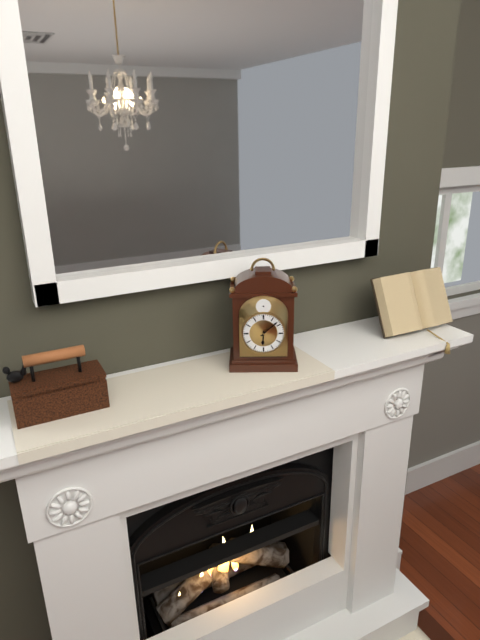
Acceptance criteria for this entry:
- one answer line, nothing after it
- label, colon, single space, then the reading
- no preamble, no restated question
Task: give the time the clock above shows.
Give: 6:08
